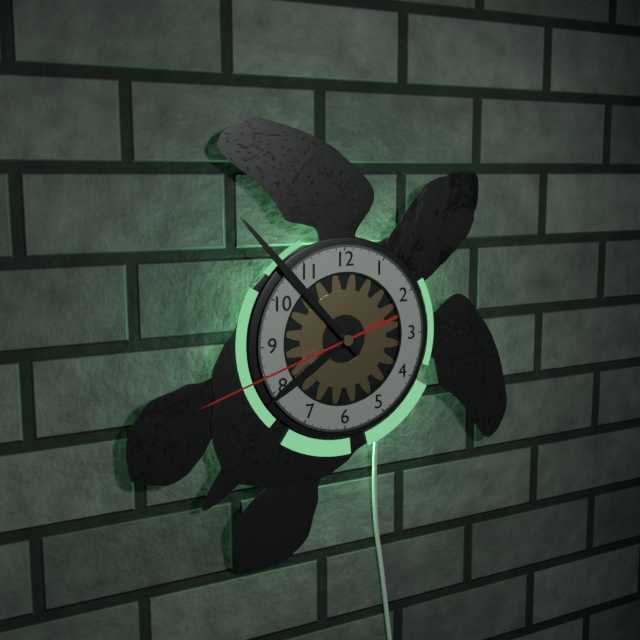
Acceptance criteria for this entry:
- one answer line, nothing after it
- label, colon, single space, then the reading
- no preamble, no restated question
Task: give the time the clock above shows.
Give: 7:53:42
